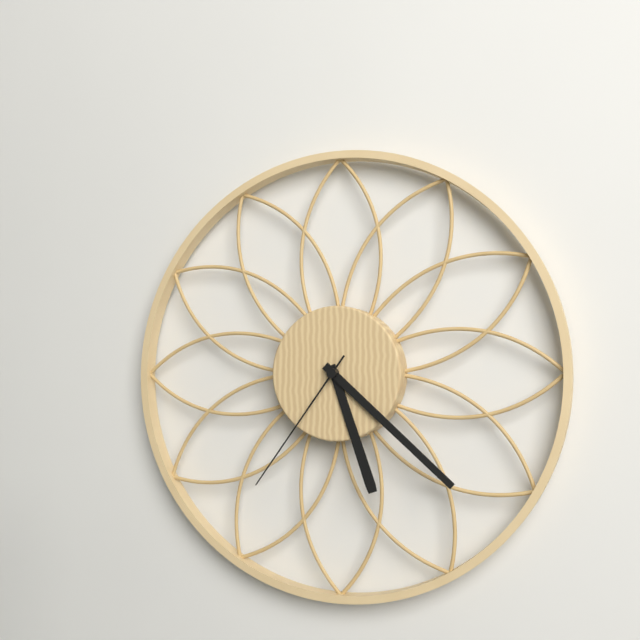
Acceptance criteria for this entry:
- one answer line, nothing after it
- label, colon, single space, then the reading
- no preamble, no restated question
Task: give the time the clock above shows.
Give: 5:22:36
